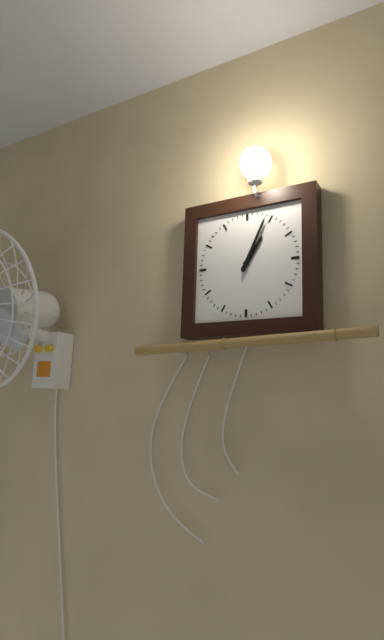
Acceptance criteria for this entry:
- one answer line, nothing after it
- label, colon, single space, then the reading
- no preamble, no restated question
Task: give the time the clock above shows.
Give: 1:04
